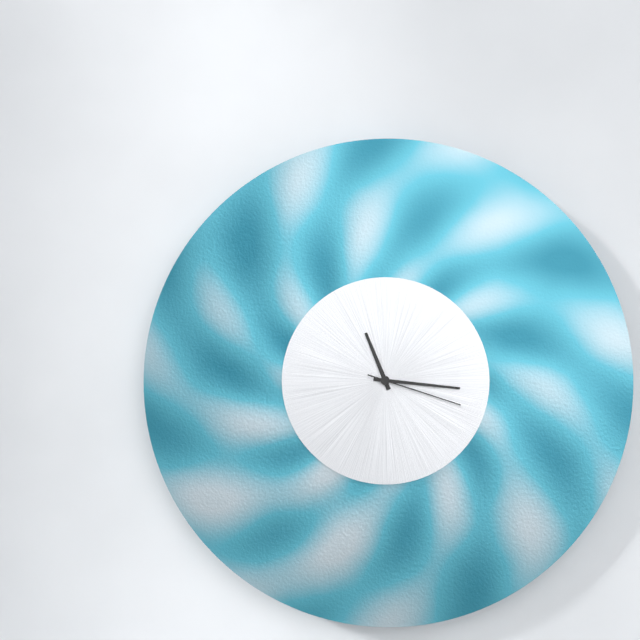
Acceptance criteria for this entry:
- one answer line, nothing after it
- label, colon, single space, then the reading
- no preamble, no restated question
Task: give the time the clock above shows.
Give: 11:16:18
